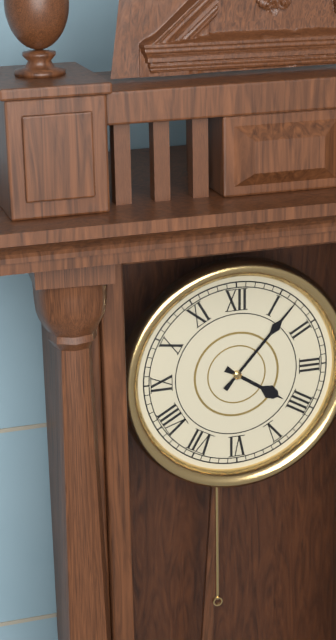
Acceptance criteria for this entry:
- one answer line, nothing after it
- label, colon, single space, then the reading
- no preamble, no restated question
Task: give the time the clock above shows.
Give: 4:07
